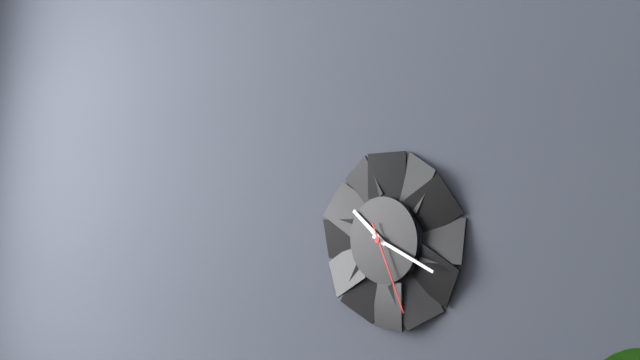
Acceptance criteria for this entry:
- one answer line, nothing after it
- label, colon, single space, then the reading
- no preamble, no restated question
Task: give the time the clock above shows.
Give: 10:19:26
